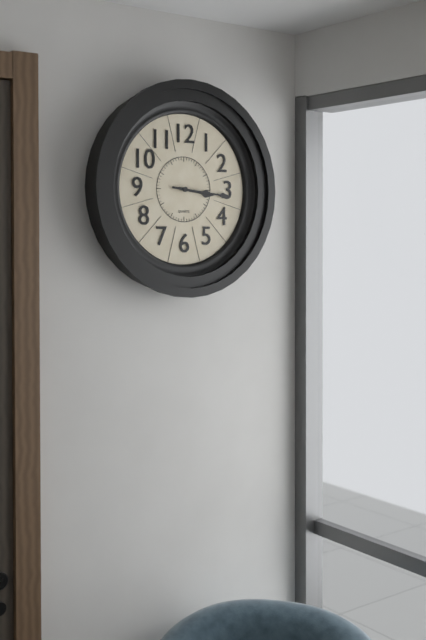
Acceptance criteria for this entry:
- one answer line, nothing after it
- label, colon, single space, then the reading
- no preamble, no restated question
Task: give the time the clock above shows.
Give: 3:16
